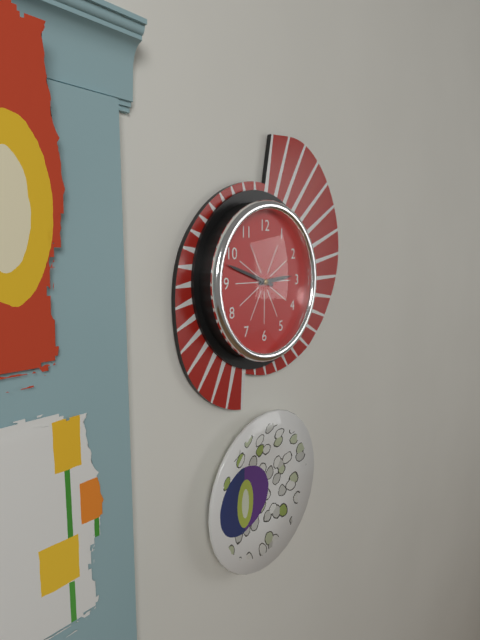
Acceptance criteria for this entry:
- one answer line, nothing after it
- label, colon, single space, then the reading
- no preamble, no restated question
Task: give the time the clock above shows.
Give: 2:48
